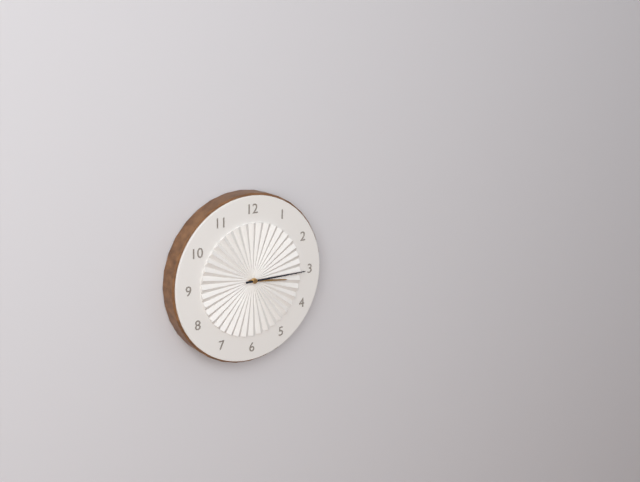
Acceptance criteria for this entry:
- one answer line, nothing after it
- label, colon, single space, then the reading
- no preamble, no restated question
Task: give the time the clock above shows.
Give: 3:15
